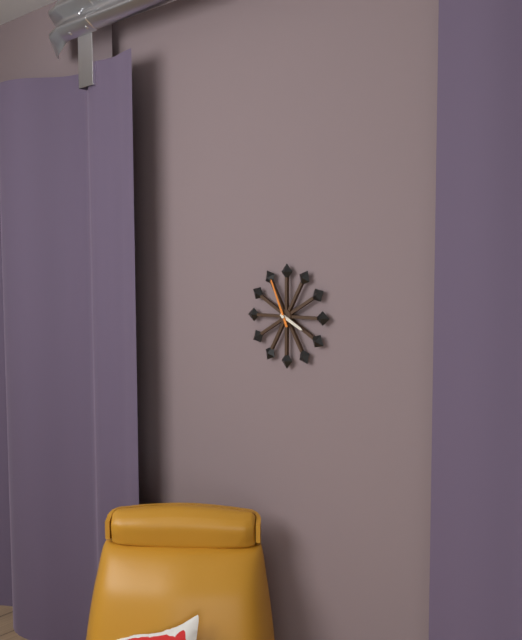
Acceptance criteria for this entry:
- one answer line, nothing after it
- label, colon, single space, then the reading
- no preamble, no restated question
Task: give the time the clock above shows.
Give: 3:56
